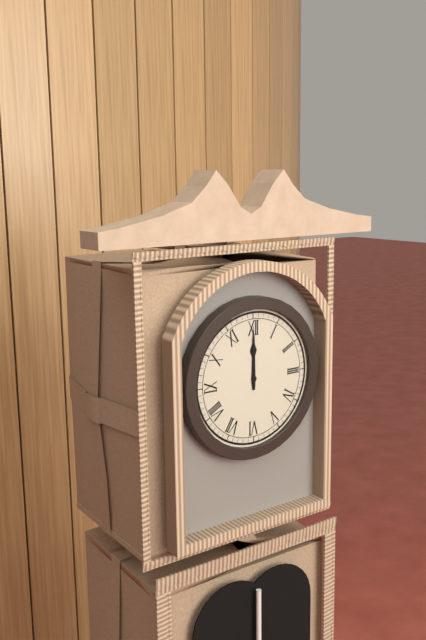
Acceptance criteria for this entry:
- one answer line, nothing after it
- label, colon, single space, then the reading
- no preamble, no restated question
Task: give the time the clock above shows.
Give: 12:00
